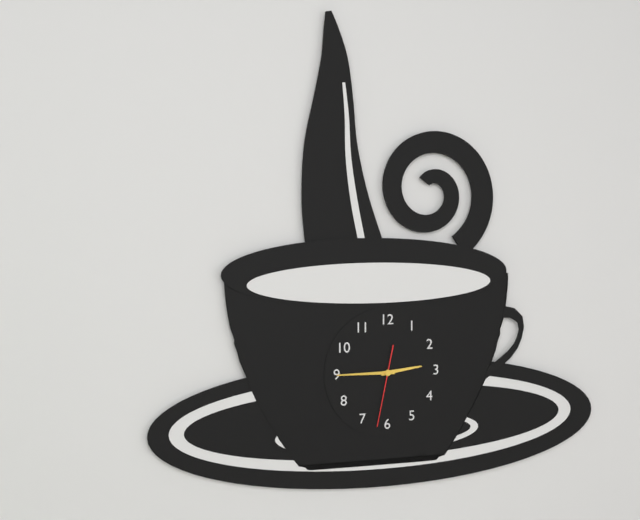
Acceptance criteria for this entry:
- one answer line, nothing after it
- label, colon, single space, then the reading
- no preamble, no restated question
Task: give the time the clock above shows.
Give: 2:45:32
